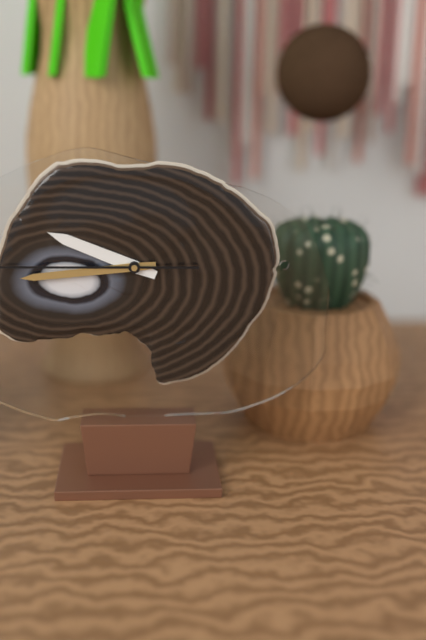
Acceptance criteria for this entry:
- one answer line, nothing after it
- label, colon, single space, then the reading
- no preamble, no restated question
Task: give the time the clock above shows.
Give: 9:44
